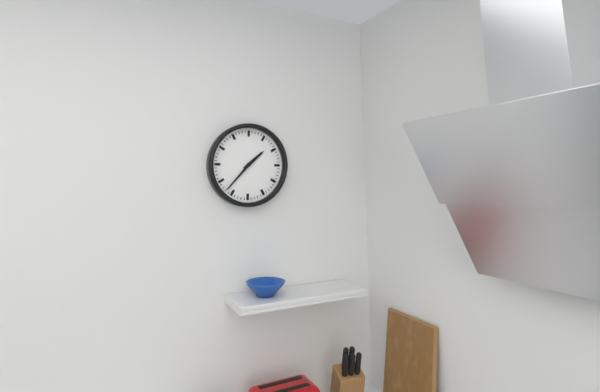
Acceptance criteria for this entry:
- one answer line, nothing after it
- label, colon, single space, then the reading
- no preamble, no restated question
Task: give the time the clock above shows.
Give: 1:37
